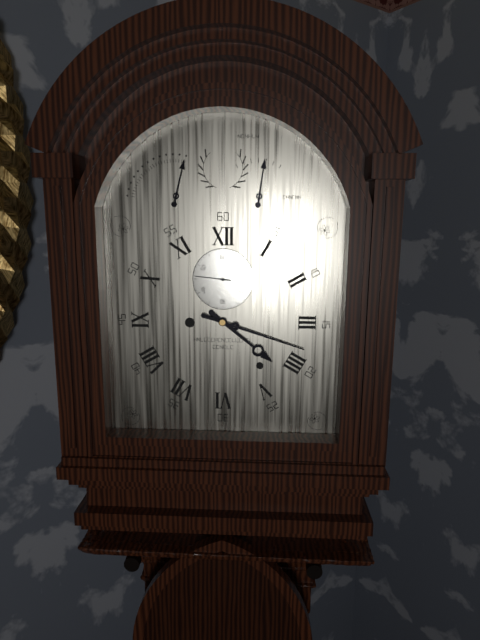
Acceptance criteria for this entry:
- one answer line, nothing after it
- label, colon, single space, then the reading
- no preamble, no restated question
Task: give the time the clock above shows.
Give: 4:18
